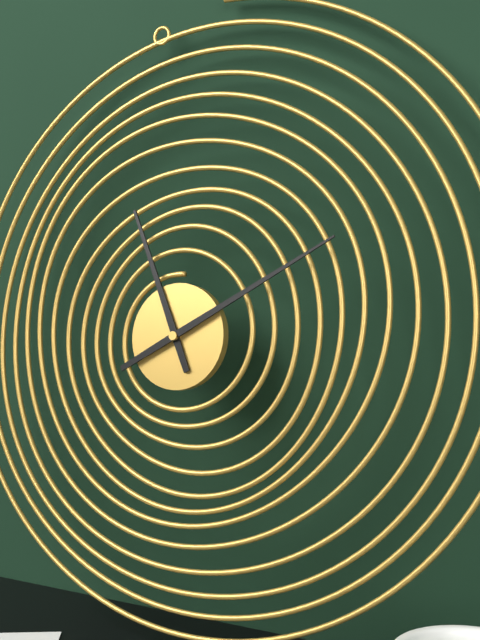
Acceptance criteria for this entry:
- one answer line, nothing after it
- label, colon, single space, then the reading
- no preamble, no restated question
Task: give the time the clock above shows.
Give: 11:10
